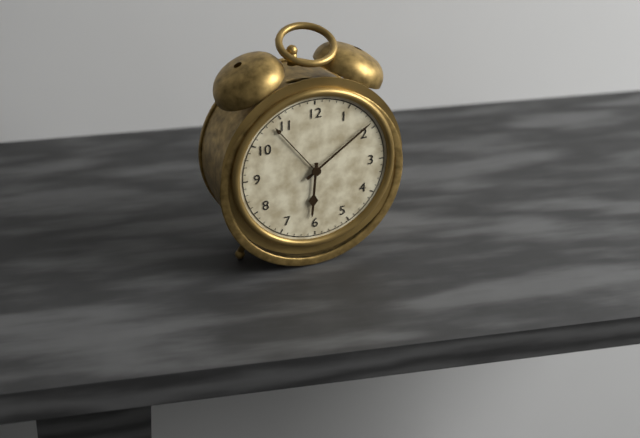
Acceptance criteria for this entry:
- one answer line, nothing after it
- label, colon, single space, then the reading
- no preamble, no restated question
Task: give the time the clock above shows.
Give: 6:09
